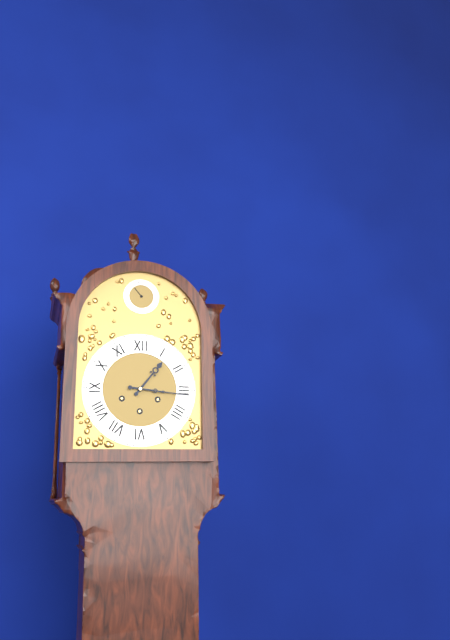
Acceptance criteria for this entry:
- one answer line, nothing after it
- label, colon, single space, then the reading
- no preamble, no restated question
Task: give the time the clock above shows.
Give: 1:16
